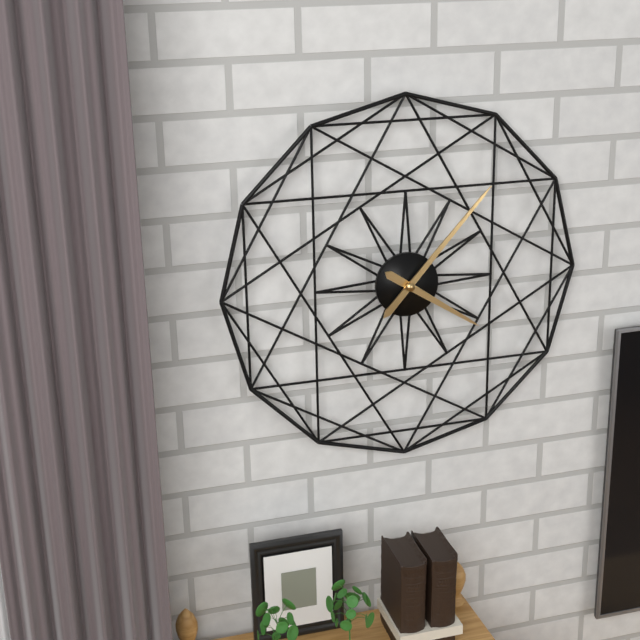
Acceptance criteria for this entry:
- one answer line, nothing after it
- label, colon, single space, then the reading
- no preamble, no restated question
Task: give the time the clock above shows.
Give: 4:07
